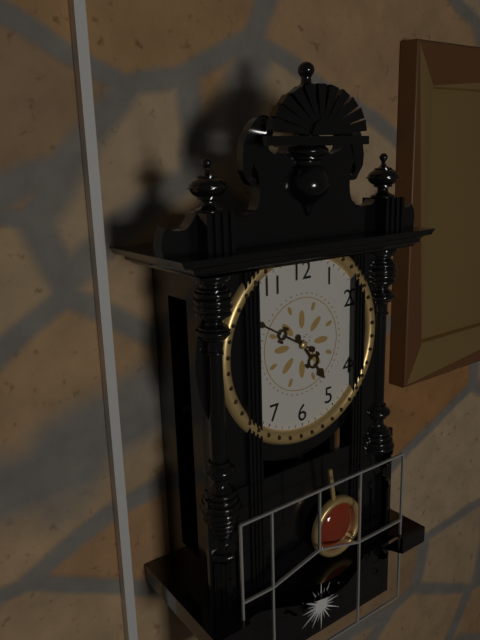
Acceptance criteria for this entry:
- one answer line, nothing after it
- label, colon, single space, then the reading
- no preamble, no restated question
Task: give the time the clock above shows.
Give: 4:50
